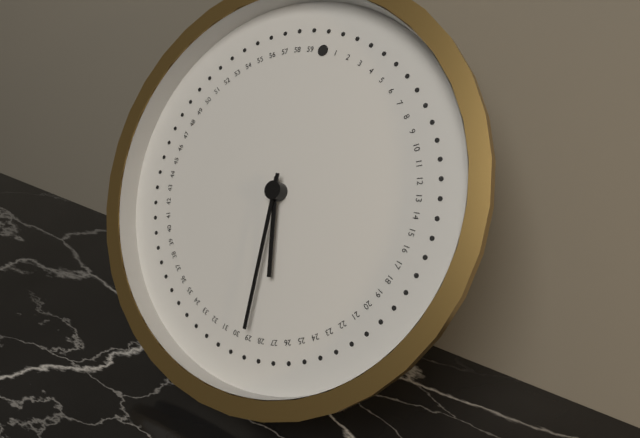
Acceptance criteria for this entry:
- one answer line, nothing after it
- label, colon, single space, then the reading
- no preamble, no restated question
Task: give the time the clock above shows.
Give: 5:29
